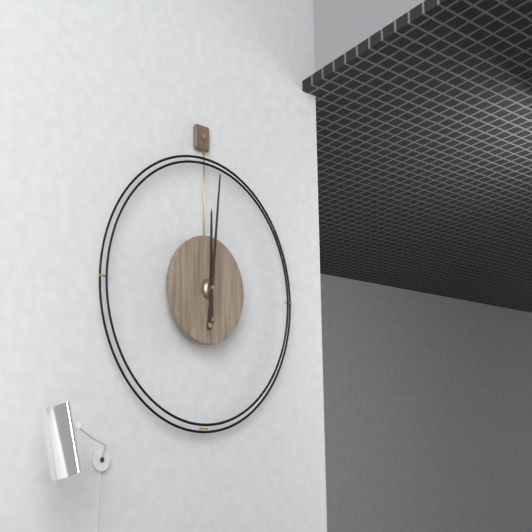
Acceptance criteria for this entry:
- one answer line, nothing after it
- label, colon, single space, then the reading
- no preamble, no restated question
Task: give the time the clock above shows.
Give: 12:01
